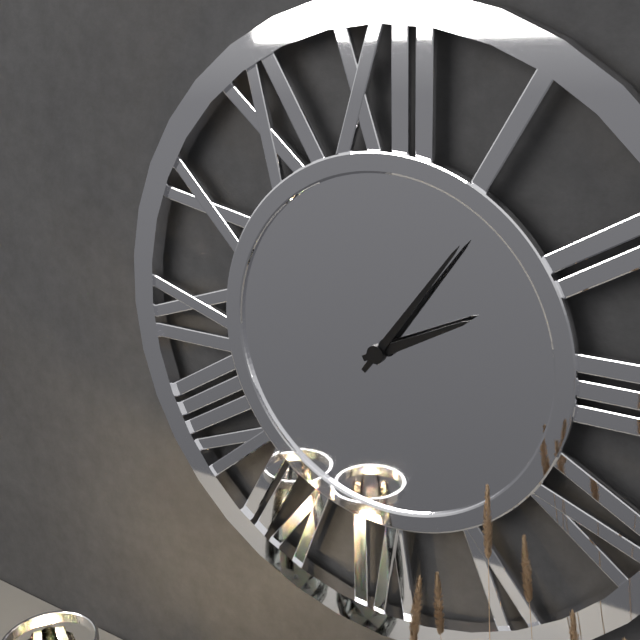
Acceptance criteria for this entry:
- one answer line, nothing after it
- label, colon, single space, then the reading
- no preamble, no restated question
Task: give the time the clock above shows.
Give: 2:06
